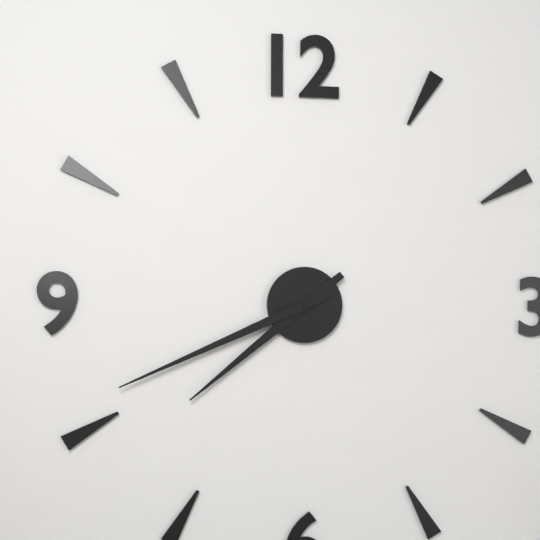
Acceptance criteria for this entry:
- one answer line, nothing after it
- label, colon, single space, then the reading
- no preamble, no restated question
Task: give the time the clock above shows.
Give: 7:41
